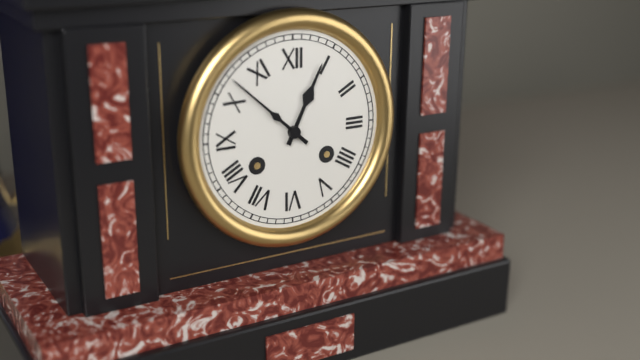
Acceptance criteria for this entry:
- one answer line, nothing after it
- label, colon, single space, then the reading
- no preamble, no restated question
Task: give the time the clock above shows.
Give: 12:52
